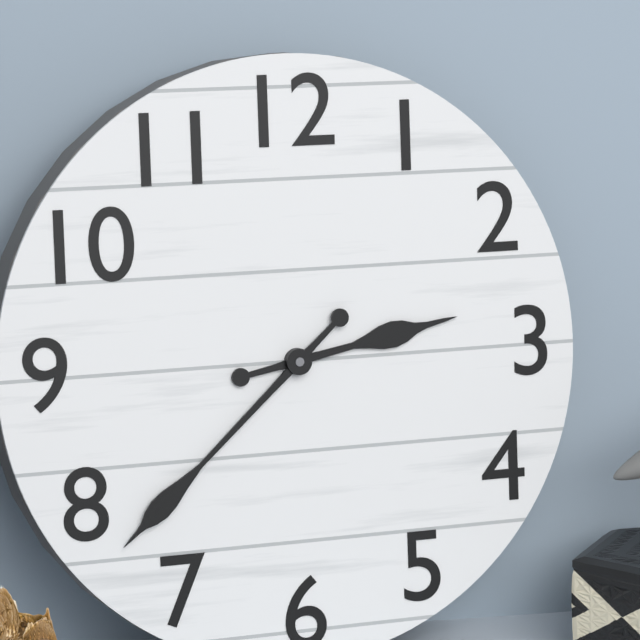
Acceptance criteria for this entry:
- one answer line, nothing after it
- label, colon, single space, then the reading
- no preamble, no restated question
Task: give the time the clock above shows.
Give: 2:38
